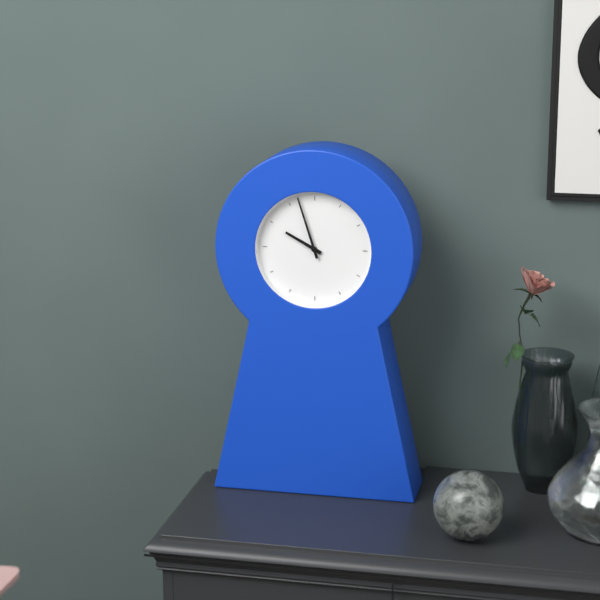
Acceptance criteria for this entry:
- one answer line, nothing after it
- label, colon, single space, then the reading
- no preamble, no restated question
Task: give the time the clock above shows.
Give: 9:57
